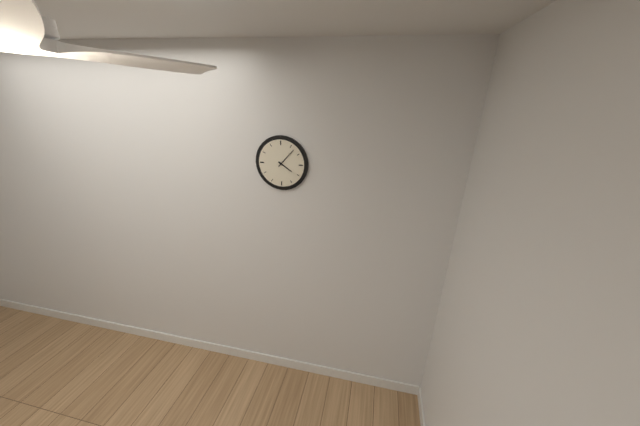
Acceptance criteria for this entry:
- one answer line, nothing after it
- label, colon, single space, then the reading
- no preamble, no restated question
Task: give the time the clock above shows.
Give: 4:07
